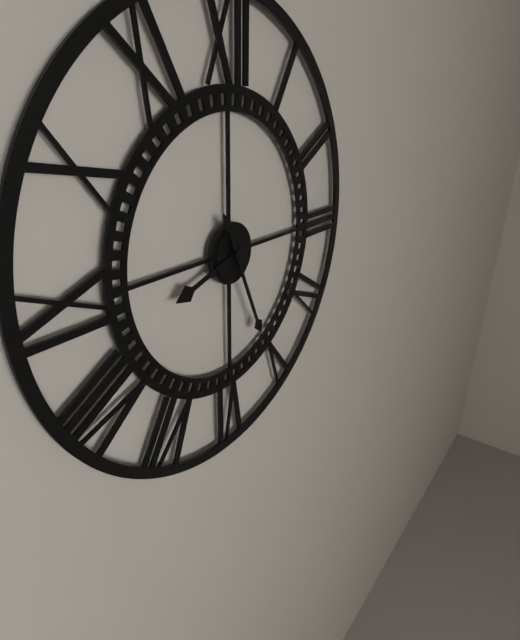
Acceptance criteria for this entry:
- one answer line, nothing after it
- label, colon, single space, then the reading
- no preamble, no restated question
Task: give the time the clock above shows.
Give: 8:26
